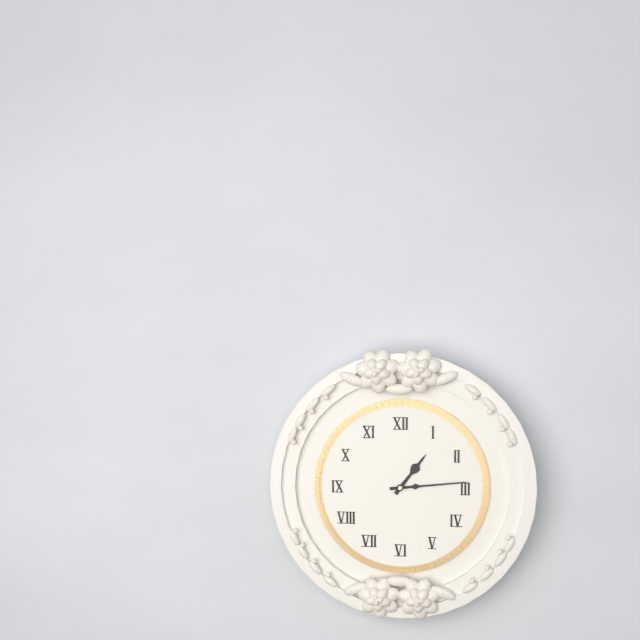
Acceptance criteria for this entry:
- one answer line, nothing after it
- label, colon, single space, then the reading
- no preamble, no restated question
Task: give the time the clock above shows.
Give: 1:14
